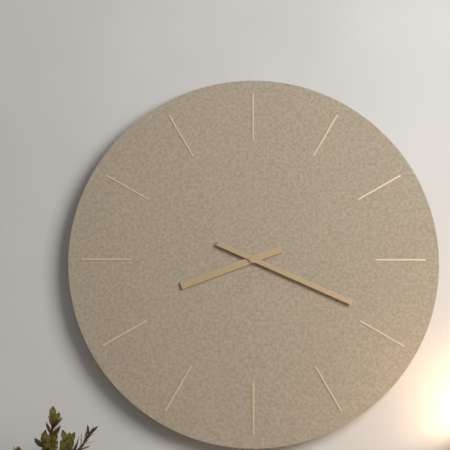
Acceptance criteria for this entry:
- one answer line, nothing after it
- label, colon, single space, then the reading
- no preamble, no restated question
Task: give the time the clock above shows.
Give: 8:19
